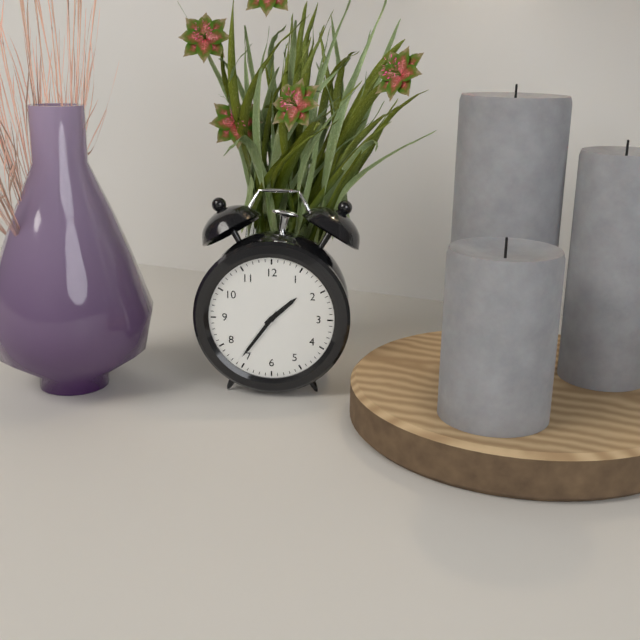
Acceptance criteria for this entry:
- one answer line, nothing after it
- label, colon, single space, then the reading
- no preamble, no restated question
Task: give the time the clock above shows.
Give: 1:36
